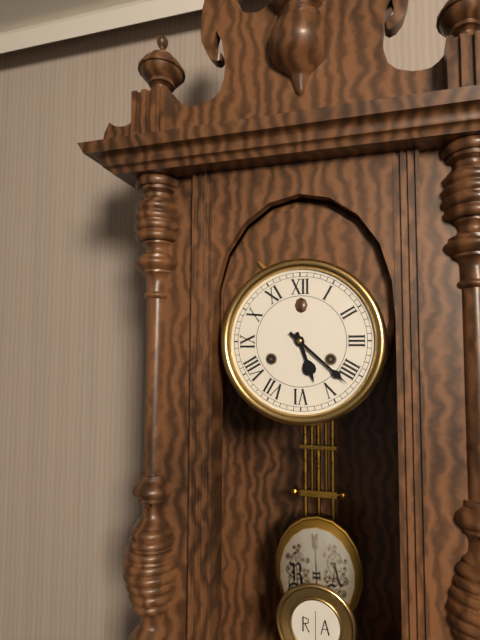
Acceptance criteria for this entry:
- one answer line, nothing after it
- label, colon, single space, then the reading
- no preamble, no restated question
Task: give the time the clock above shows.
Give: 5:22
